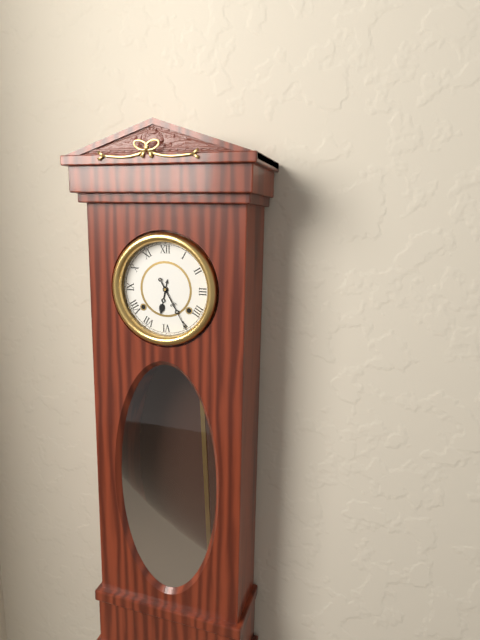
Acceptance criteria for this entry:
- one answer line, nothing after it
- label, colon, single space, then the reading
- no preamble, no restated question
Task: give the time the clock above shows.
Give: 6:25
